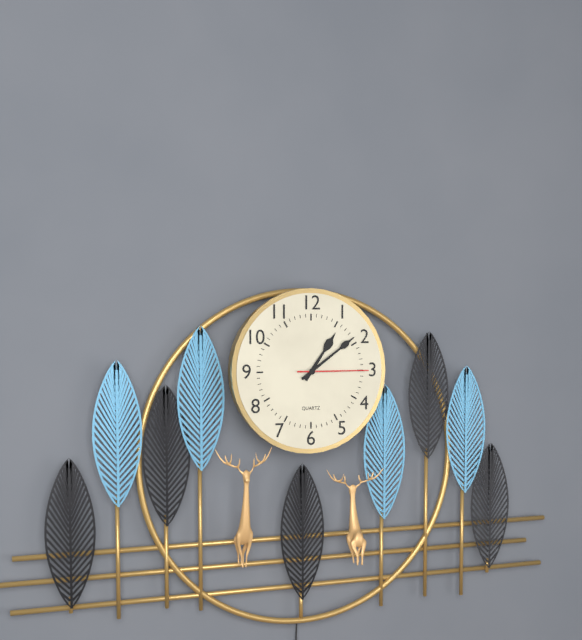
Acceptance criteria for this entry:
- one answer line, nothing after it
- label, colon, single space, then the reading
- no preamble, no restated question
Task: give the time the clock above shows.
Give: 1:09:15
